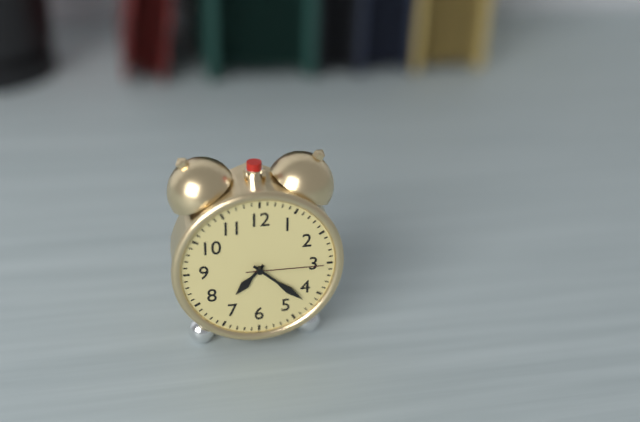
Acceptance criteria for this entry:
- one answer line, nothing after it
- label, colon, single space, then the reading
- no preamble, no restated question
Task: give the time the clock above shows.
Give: 7:22:15
